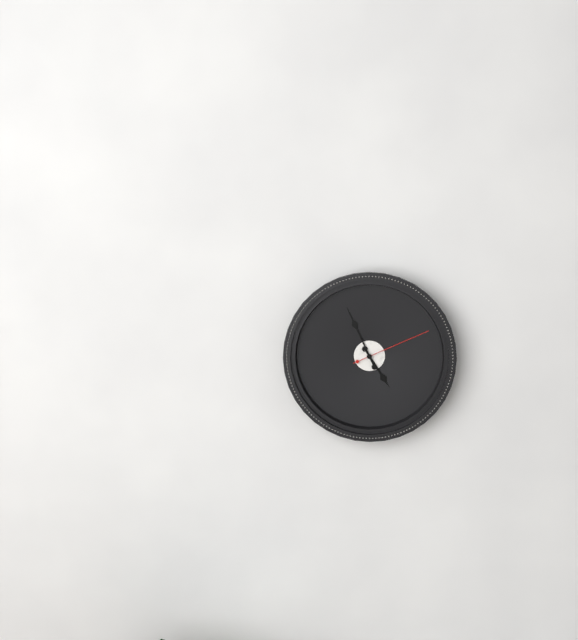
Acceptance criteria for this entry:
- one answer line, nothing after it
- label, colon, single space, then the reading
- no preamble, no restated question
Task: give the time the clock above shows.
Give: 4:56:11
